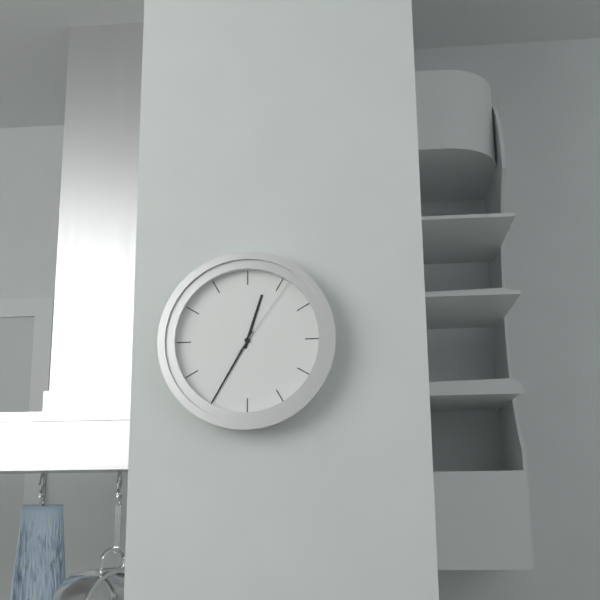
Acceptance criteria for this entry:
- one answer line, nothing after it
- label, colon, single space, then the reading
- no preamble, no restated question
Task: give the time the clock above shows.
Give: 12:35:06
